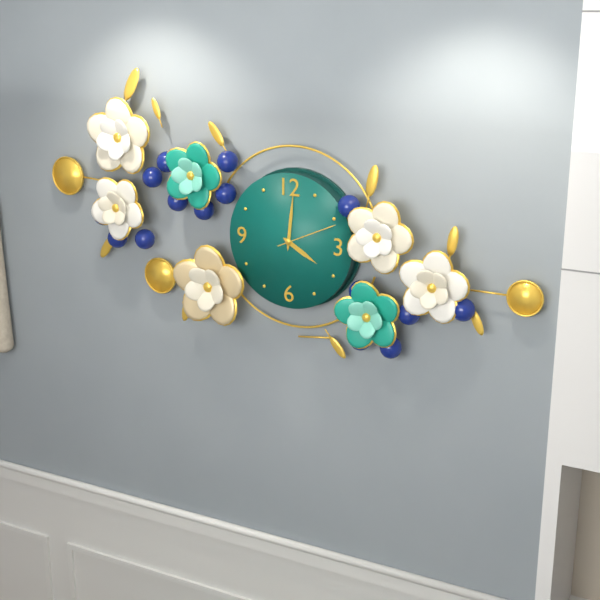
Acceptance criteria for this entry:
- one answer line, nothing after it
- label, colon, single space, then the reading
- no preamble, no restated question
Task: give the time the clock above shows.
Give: 4:01:11
